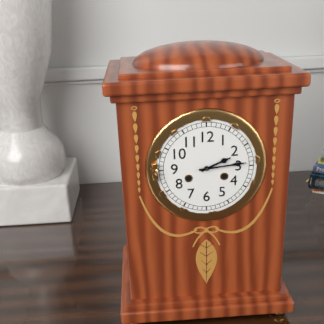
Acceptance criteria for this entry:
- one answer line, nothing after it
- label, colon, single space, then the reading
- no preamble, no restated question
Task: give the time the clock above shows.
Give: 2:14
